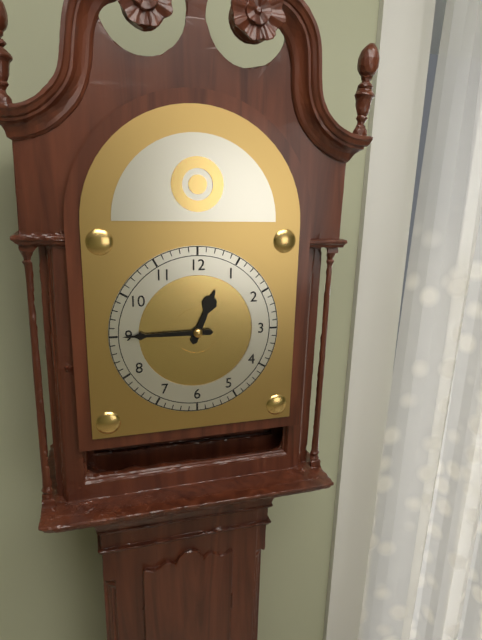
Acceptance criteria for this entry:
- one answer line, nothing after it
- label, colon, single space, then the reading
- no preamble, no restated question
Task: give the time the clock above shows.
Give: 12:45
